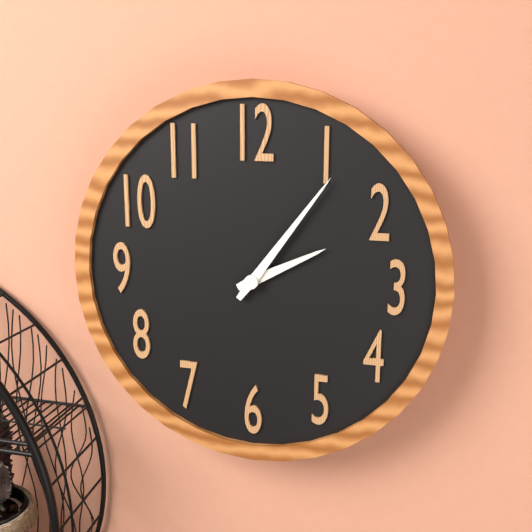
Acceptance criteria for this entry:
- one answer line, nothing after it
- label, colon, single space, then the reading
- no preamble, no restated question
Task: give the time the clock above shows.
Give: 2:06
